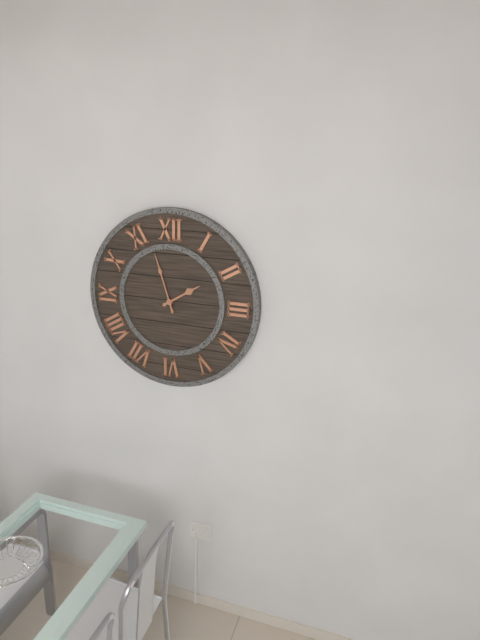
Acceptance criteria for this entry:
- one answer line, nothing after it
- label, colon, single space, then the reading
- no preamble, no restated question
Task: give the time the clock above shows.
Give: 1:57
